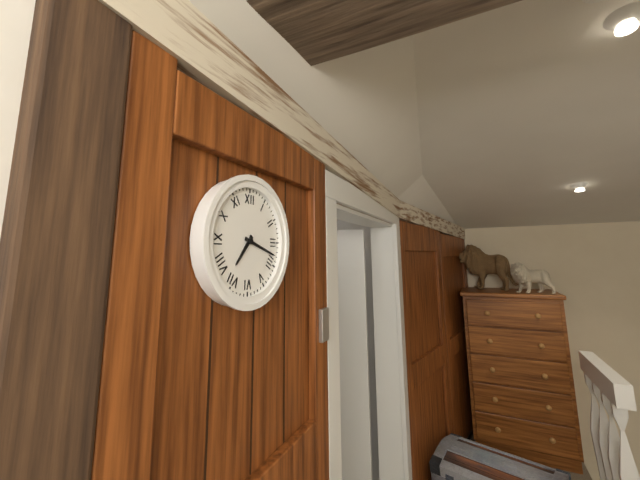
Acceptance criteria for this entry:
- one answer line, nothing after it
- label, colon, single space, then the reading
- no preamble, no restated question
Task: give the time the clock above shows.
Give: 7:18
